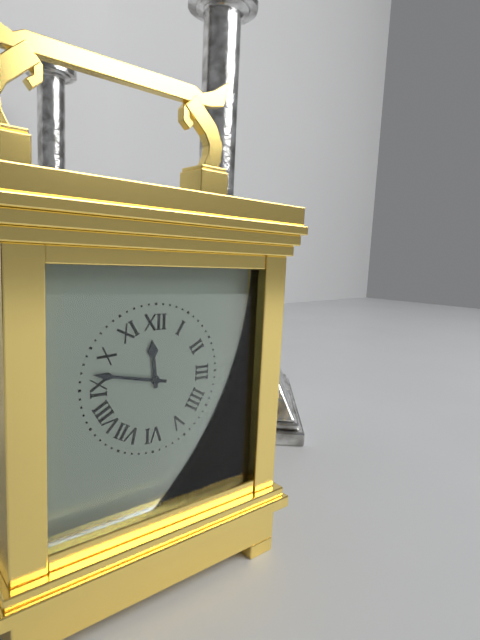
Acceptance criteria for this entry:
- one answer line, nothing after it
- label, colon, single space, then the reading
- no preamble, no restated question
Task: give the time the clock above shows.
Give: 11:47
